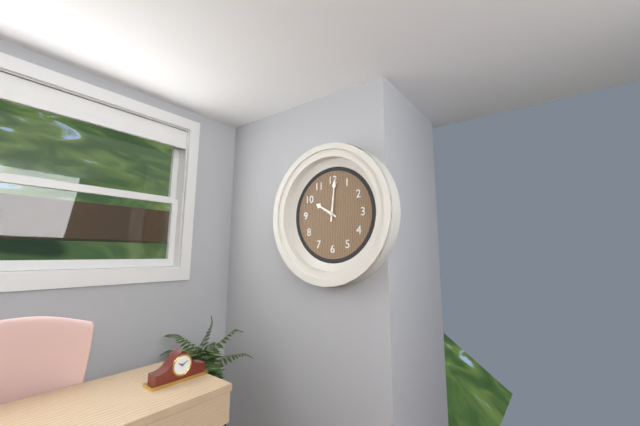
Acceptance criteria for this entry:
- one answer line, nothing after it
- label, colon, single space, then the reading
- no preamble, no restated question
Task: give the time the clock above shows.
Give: 10:01
